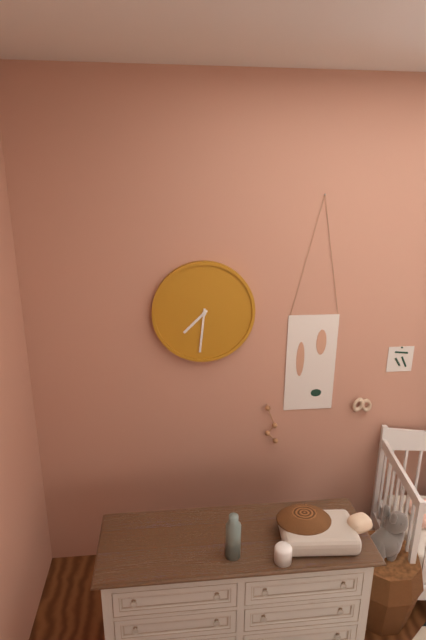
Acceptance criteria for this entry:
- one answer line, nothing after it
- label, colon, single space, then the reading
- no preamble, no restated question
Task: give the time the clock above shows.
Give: 7:31
